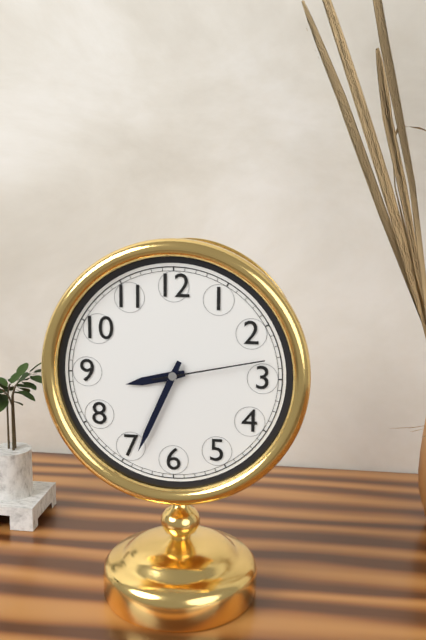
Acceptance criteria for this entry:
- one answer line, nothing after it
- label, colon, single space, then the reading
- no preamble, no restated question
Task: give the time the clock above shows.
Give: 8:34:13
